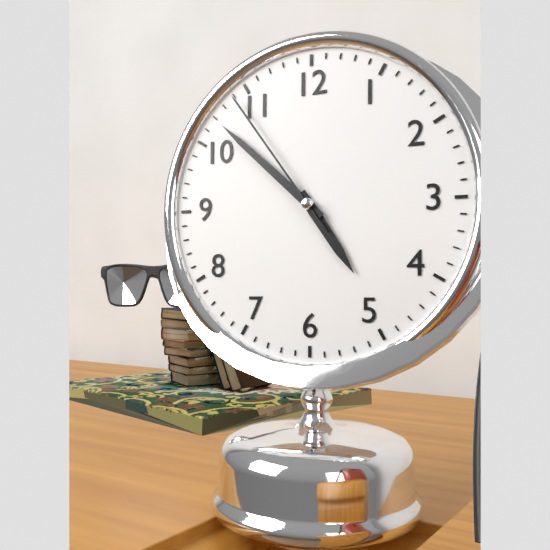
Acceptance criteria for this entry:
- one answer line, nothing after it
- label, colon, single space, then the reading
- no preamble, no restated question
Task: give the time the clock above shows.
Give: 4:52:54
